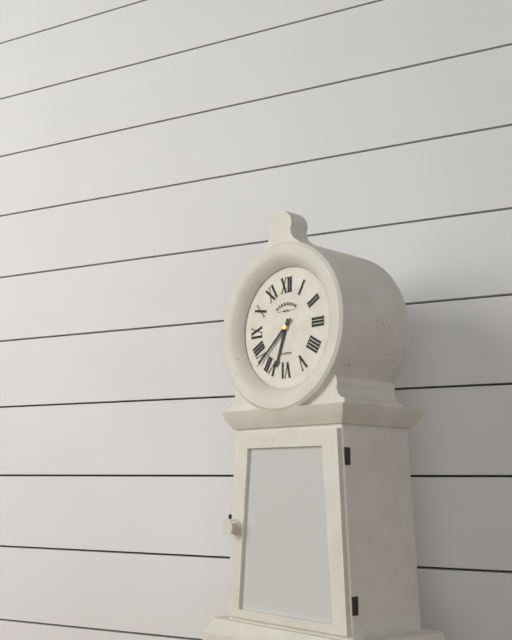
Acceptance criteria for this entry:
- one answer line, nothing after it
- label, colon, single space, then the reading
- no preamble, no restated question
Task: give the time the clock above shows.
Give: 6:38
